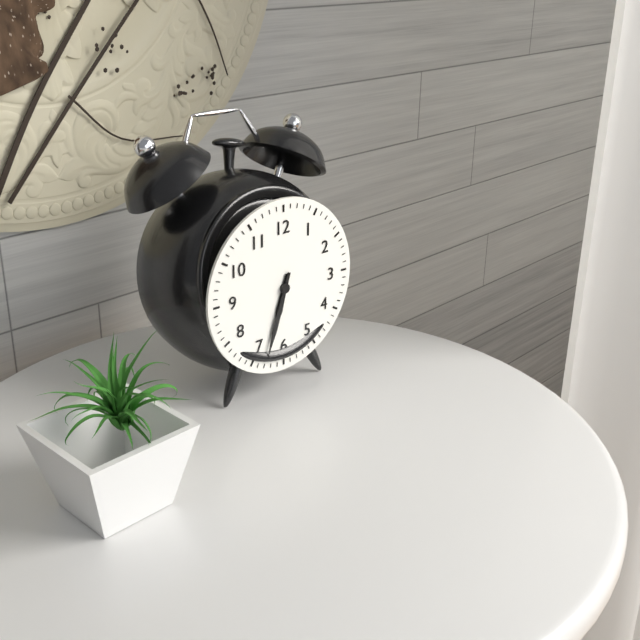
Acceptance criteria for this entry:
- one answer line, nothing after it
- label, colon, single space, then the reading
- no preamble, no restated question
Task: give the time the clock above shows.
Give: 6:33
